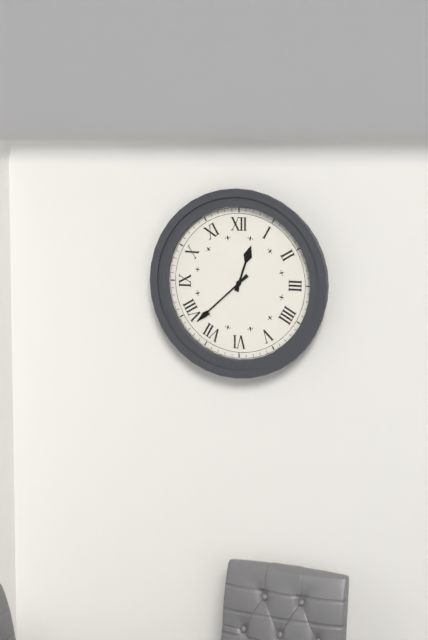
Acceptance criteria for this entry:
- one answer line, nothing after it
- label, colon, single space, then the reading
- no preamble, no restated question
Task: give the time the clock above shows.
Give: 12:38
